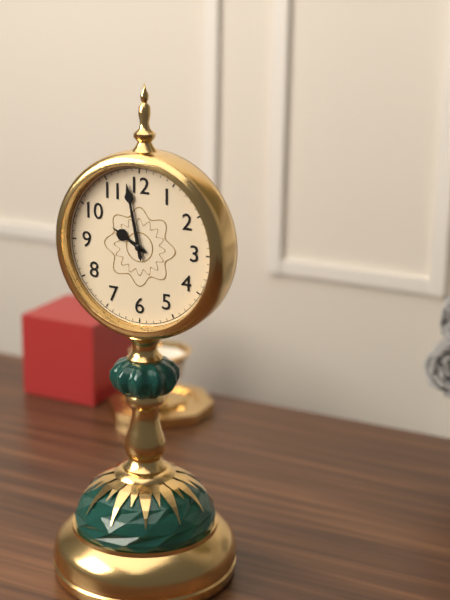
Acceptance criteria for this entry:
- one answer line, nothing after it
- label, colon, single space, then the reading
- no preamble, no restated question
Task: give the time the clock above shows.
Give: 9:58
